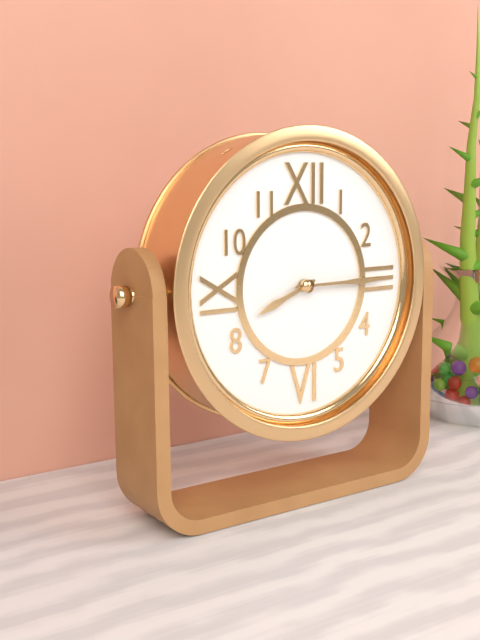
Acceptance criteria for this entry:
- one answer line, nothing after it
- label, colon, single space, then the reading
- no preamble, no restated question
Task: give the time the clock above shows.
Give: 8:15
